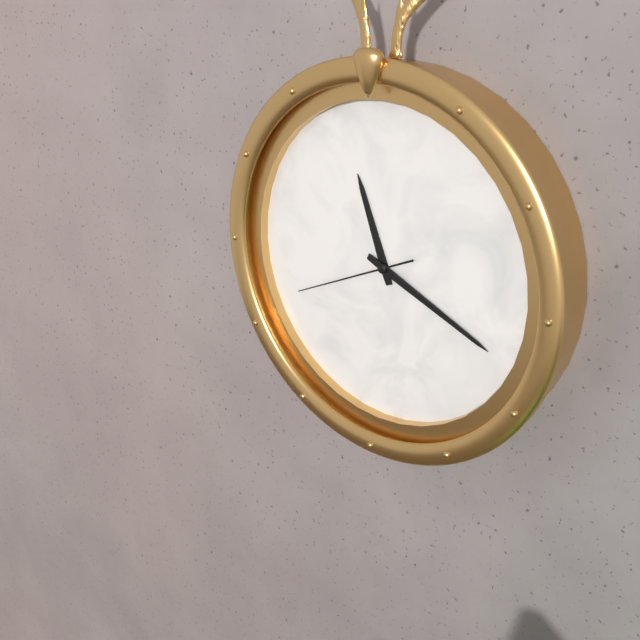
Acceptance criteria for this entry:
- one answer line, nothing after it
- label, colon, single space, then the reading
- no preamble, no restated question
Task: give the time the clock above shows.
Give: 11:19:41
